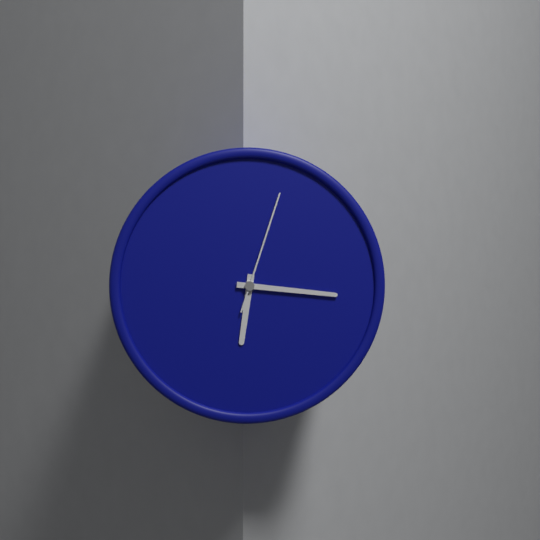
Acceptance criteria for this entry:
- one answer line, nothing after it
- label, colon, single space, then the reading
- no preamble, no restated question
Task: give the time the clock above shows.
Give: 6:16:03
